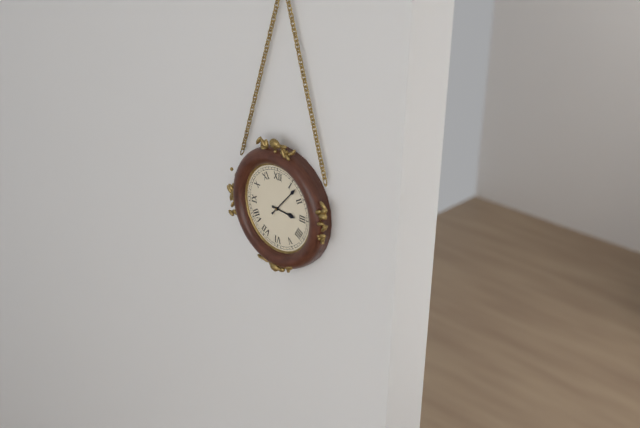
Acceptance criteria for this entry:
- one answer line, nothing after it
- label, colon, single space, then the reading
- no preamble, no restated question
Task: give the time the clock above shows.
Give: 3:07
